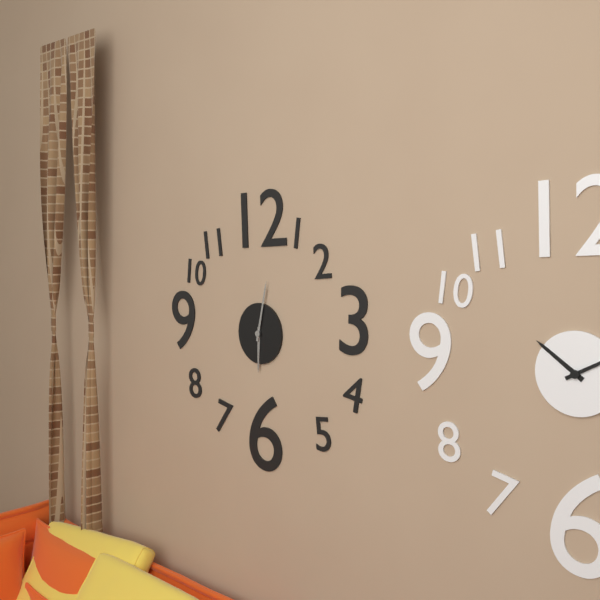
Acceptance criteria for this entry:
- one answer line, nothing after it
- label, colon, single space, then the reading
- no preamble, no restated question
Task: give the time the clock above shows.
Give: 6:02
